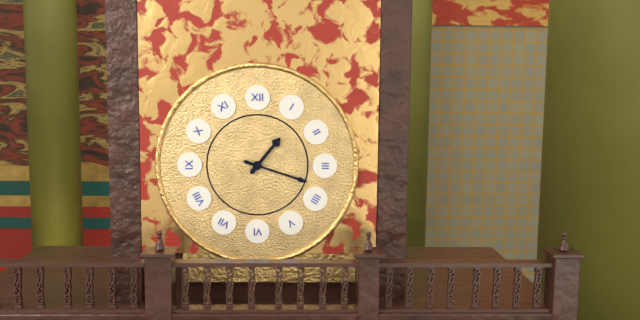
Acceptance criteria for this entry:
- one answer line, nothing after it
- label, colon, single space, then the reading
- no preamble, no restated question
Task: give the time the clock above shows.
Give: 1:18
